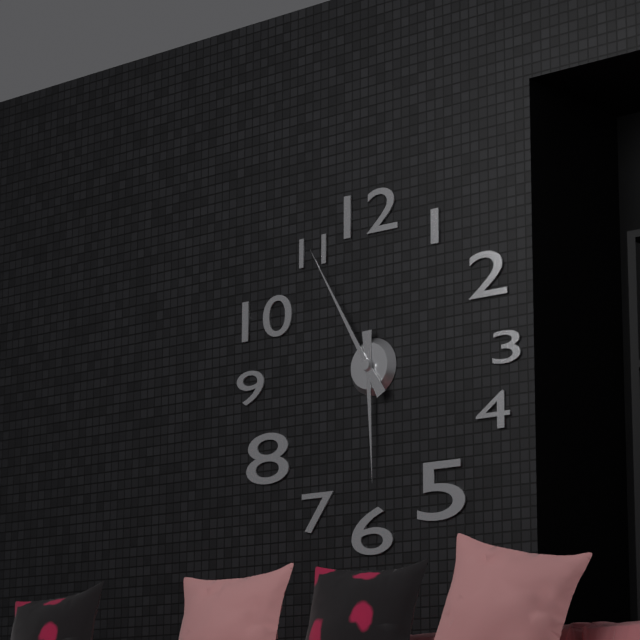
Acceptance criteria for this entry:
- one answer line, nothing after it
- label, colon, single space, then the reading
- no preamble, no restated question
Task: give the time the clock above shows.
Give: 5:55
